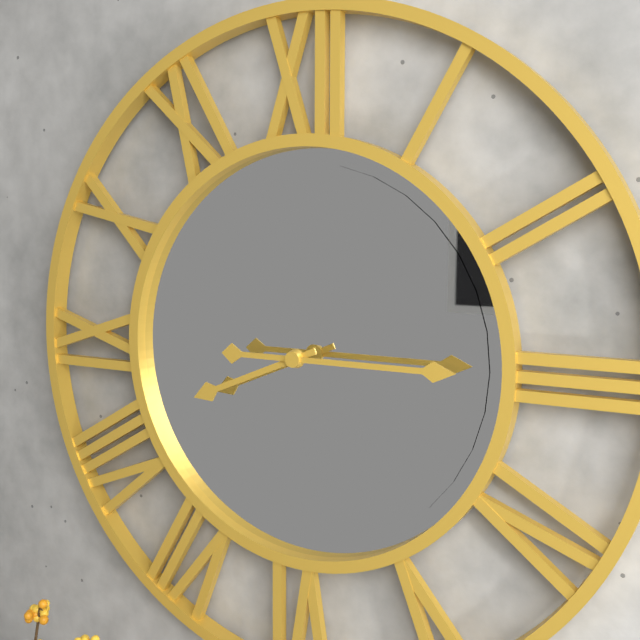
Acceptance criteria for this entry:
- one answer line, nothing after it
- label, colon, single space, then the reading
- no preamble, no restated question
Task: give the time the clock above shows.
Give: 8:15
